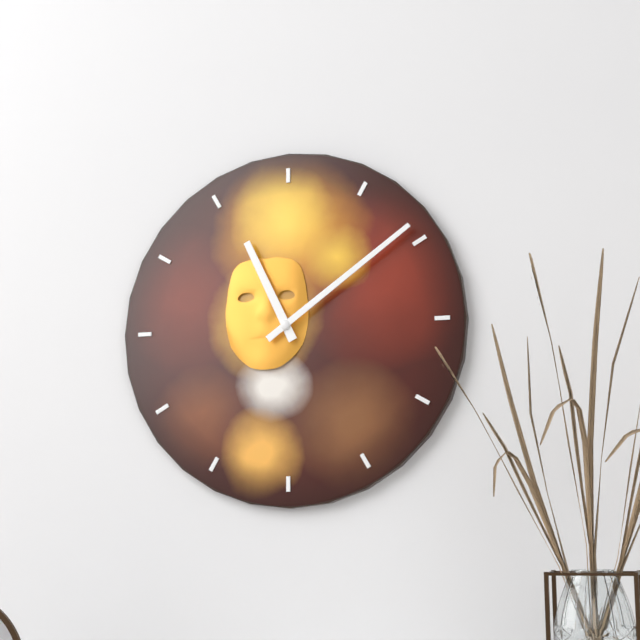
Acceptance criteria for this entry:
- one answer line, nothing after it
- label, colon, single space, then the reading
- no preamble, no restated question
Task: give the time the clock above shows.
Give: 11:09
